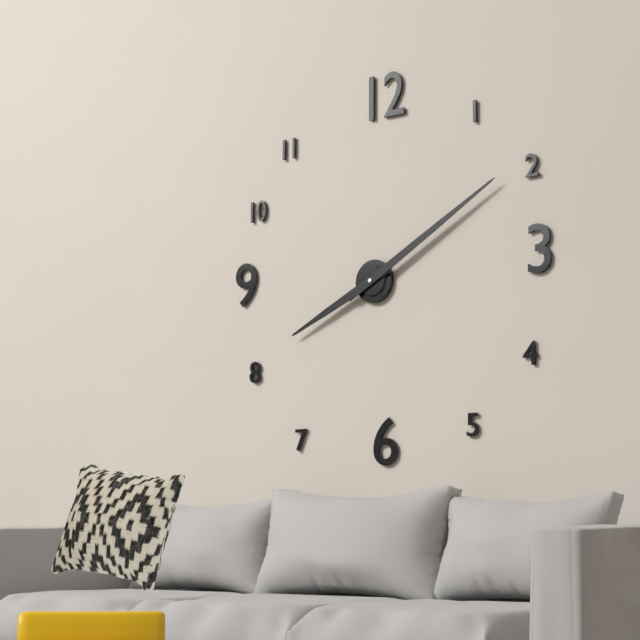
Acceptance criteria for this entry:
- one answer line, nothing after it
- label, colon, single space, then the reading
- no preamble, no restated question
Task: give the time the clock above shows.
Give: 8:10
